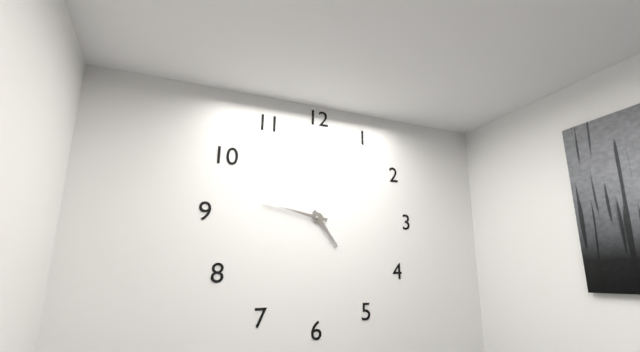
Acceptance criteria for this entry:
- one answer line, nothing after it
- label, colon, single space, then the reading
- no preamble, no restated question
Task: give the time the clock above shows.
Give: 4:47
